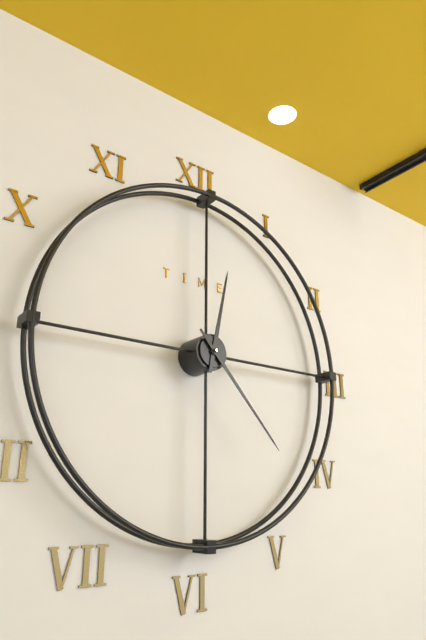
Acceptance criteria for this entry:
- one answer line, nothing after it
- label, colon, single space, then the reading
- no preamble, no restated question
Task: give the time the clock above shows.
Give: 12:23
